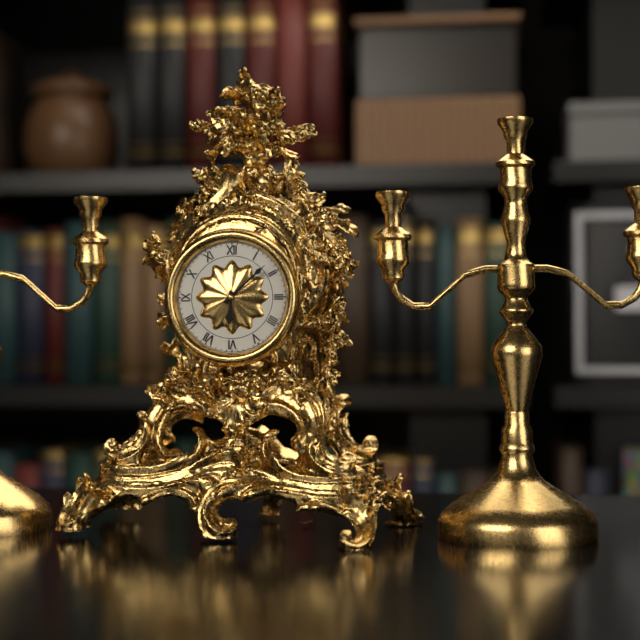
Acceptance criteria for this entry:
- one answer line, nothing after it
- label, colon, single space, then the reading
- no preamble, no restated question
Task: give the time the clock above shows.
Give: 6:08
